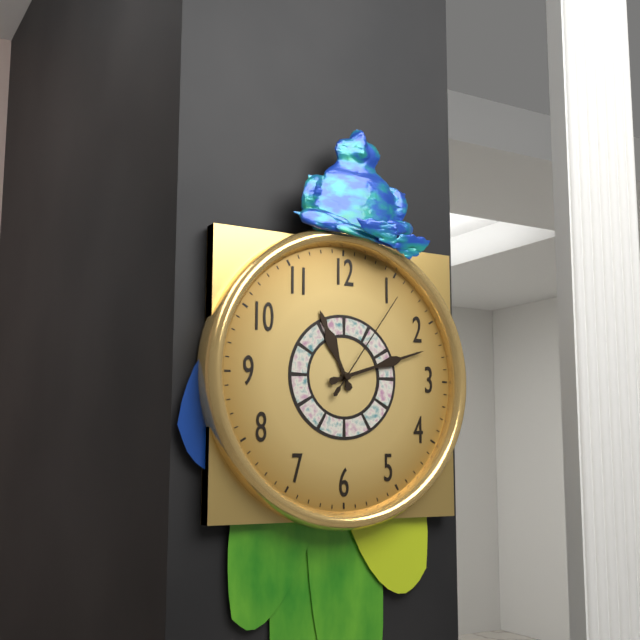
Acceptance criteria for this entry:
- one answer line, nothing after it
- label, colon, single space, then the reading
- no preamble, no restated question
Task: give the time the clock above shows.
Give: 11:12:06
